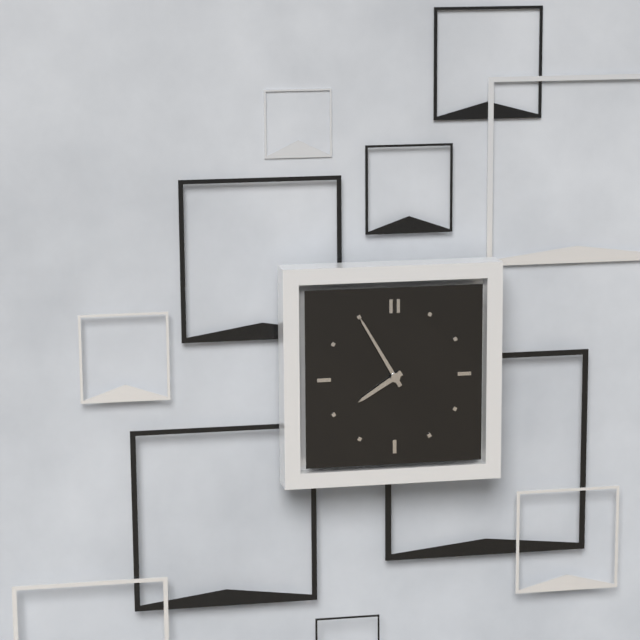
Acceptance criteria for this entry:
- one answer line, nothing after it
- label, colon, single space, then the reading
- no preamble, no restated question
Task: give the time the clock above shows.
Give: 7:55
